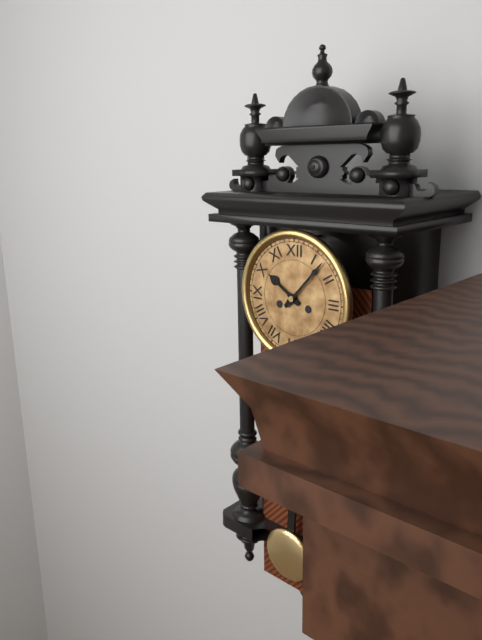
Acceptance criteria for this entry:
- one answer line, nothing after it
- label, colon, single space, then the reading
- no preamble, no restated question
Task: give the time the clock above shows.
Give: 10:07
